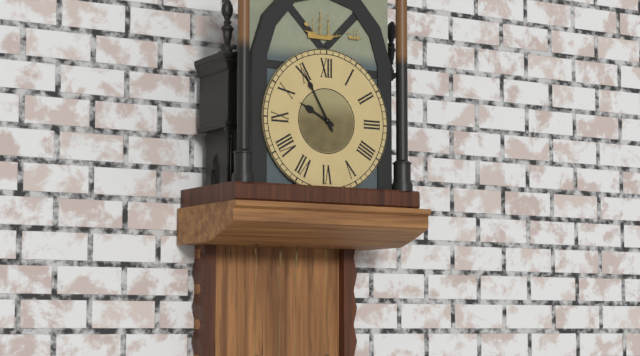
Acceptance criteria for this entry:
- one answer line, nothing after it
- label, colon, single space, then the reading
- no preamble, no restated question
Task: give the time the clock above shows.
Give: 9:55
